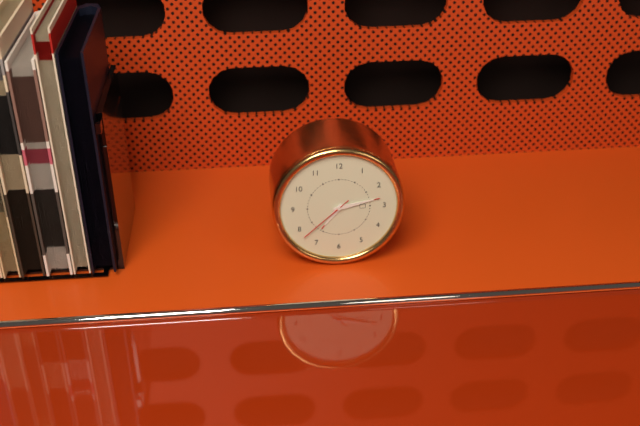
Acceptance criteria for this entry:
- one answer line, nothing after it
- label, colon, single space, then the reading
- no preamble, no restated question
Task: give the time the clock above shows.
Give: 7:13:38
